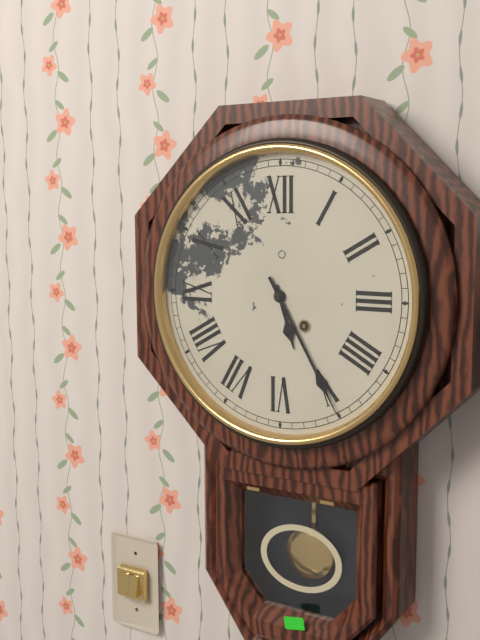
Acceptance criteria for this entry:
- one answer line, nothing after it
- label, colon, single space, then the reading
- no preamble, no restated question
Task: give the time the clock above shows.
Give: 5:25
